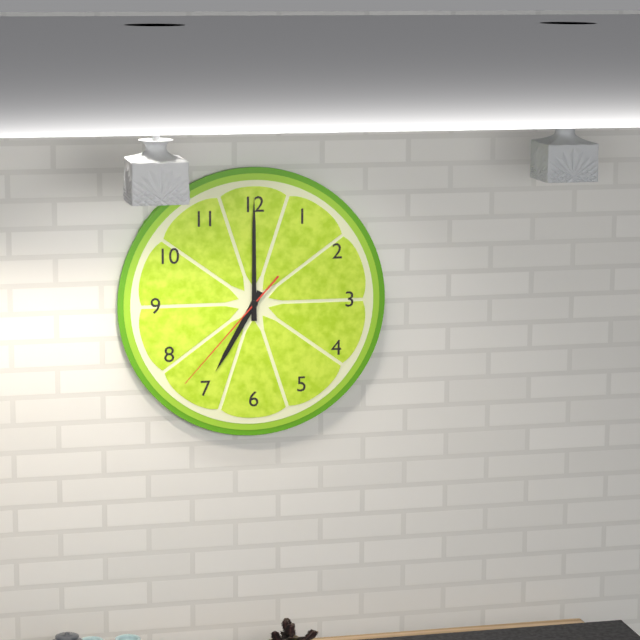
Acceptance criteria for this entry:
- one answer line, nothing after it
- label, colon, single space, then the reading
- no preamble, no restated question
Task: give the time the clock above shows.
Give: 7:00:37
